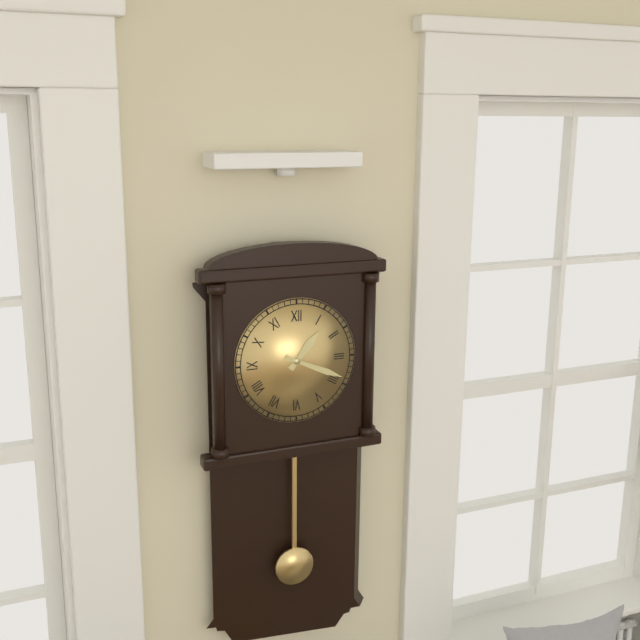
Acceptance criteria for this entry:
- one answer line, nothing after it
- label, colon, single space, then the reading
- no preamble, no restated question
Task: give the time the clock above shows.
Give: 1:19
